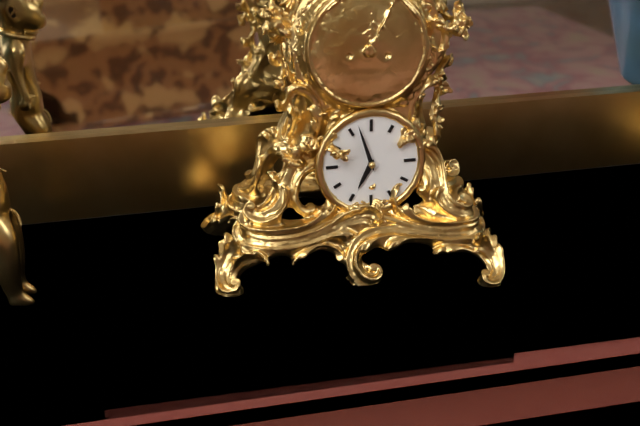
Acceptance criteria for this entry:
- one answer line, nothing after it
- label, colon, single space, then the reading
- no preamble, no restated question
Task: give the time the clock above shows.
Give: 6:57
